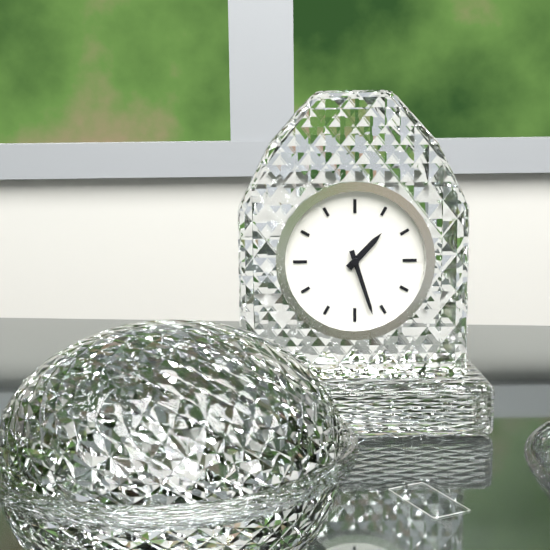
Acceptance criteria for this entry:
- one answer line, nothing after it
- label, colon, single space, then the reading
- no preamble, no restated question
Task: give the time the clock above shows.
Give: 1:27
